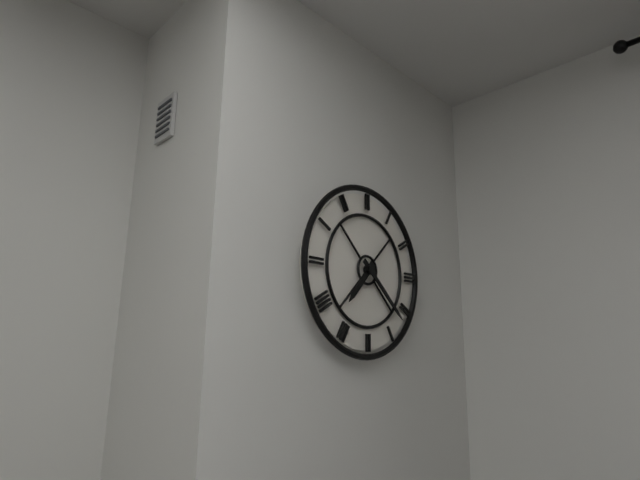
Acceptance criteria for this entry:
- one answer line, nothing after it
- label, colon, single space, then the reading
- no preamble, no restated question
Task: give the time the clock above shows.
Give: 7:22
